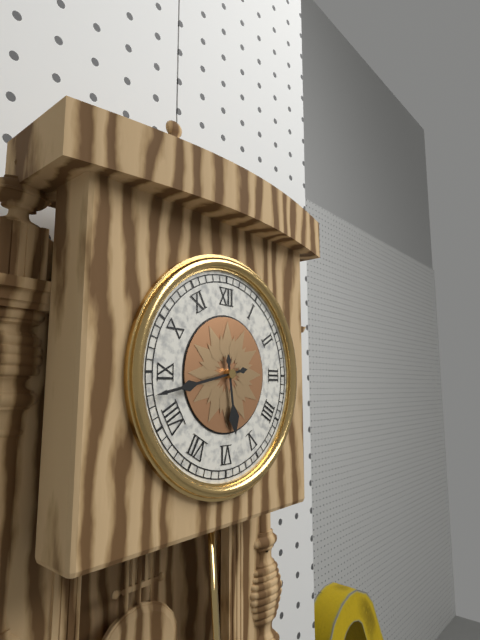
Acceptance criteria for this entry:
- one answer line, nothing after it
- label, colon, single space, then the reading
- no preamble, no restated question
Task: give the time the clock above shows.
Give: 5:43
